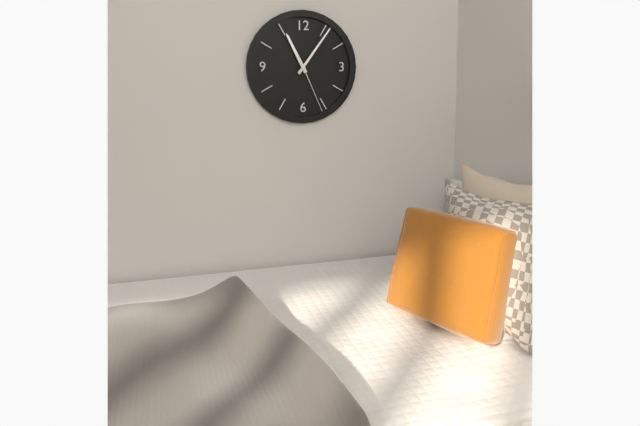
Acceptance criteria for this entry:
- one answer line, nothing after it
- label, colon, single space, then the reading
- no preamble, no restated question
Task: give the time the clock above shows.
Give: 11:06:26
